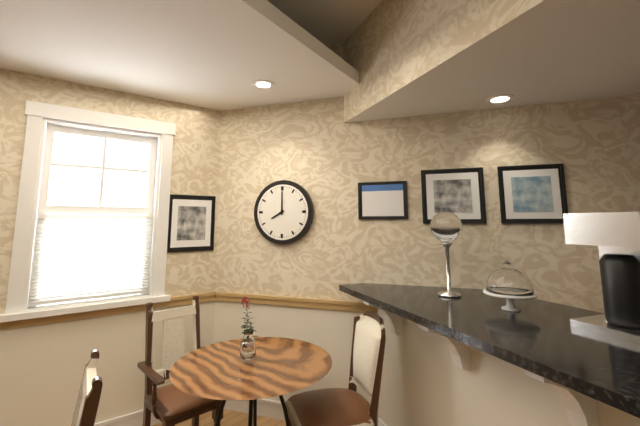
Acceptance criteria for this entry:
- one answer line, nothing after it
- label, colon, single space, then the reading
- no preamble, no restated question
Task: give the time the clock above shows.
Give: 8:00
